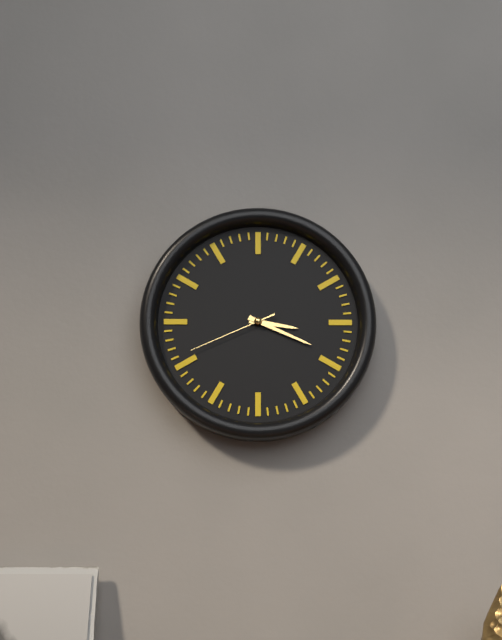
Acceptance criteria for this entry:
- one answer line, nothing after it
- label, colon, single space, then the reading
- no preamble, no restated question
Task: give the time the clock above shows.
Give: 3:19:41
